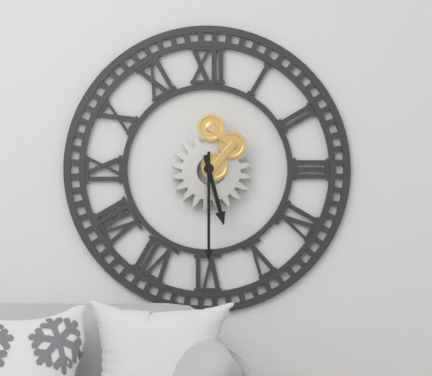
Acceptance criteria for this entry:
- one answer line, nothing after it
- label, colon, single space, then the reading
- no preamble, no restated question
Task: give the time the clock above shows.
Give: 5:30
